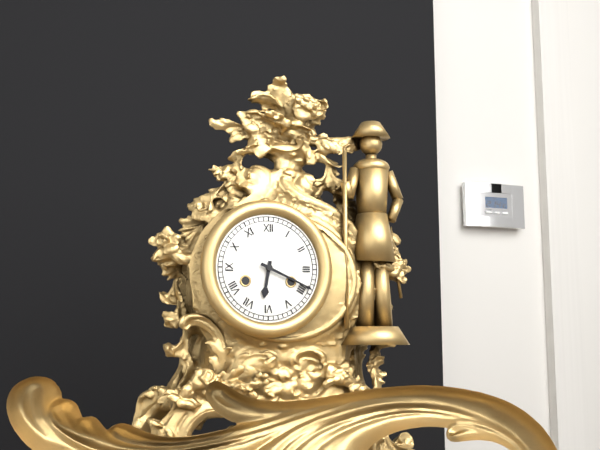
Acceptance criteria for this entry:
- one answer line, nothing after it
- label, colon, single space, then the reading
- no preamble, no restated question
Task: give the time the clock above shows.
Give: 6:19
